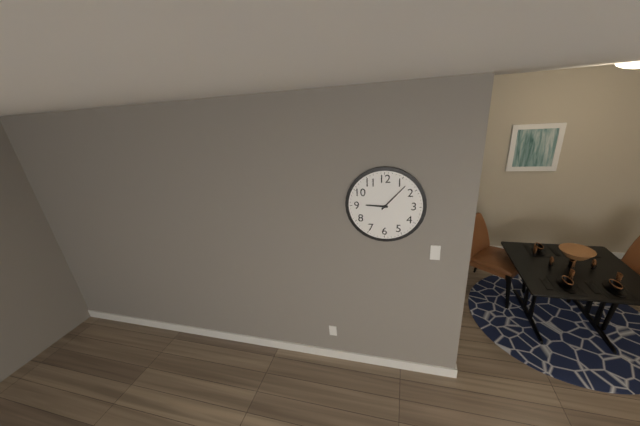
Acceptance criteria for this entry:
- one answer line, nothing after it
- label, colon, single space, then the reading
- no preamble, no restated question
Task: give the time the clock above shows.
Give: 9:07
